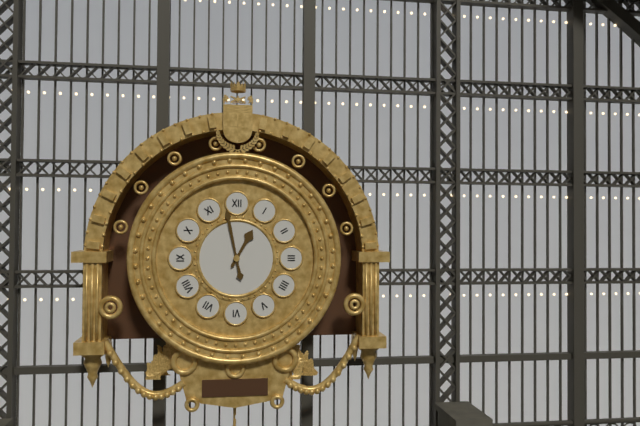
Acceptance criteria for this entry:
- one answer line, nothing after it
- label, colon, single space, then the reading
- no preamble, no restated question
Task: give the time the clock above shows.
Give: 12:58
